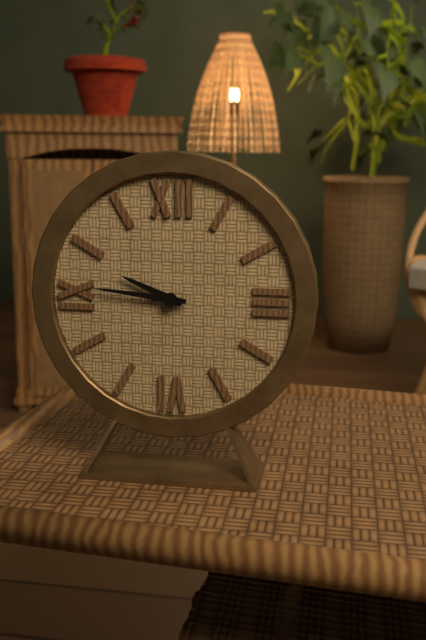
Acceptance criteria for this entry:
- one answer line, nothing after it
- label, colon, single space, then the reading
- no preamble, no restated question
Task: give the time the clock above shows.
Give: 9:46
